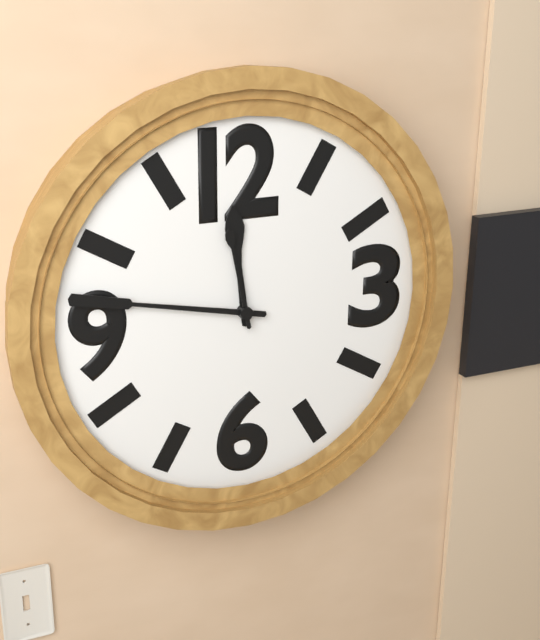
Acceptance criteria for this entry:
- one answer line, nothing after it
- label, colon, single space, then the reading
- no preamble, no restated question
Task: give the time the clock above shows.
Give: 11:47:58
